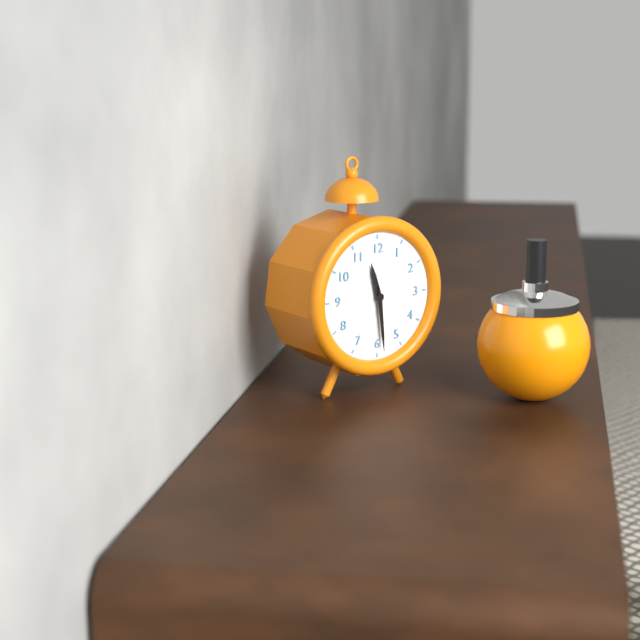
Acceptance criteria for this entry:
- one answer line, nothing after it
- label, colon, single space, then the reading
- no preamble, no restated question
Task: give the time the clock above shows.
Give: 11:29
